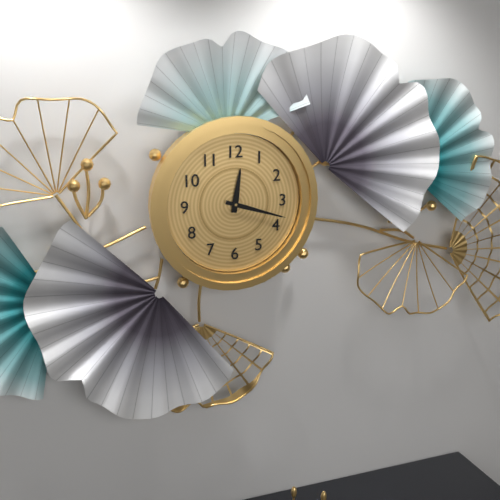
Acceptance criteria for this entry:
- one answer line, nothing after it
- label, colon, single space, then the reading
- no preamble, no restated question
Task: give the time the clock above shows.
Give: 12:18
